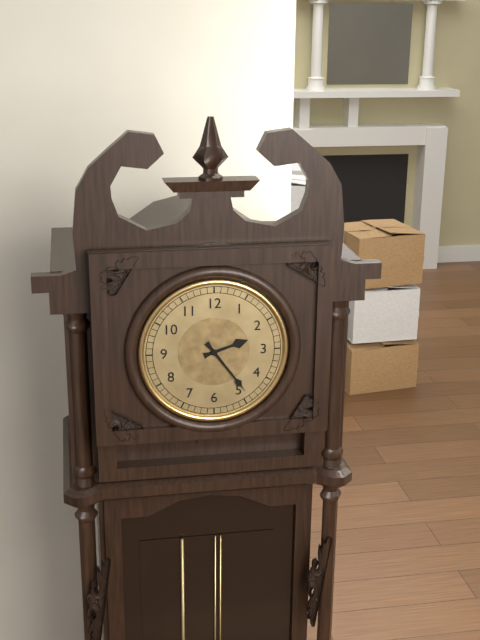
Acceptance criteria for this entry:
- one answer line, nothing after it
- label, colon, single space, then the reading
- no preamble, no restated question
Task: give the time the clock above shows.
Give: 2:24
